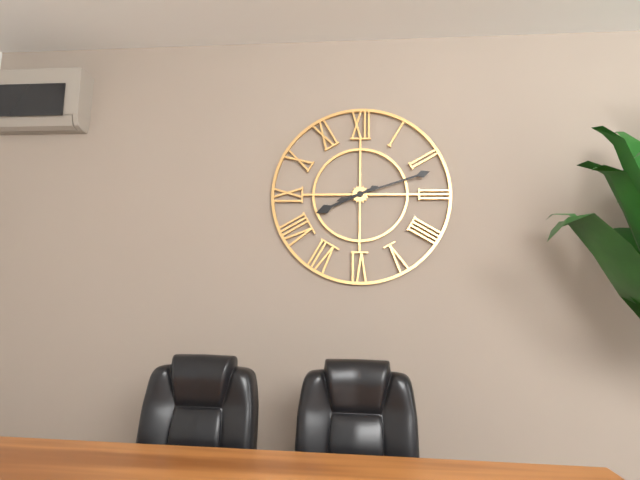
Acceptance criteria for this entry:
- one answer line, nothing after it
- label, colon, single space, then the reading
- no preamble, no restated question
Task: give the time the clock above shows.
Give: 8:12
